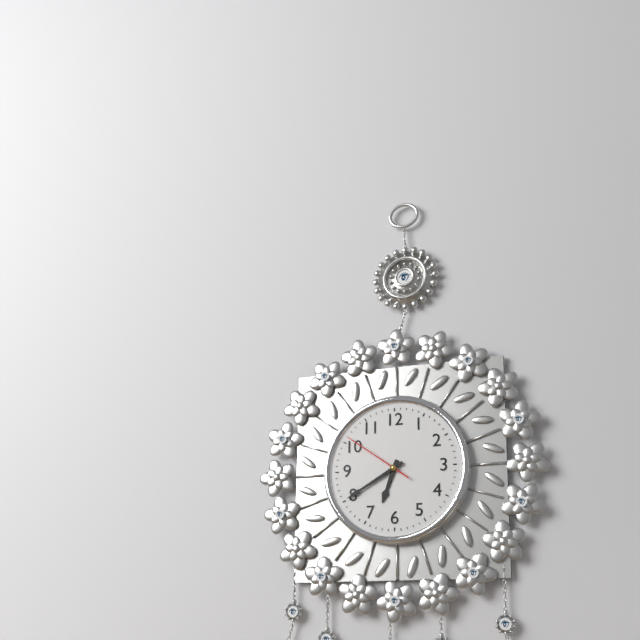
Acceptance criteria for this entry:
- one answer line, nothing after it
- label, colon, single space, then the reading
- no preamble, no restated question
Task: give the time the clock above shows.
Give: 6:40:51
